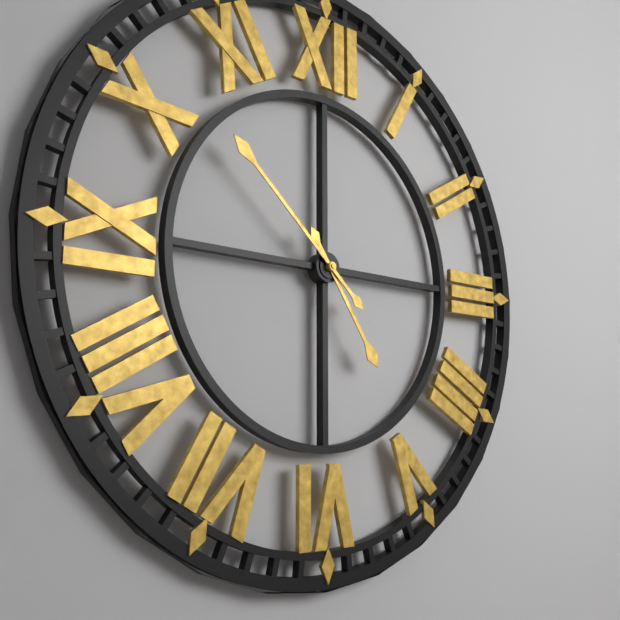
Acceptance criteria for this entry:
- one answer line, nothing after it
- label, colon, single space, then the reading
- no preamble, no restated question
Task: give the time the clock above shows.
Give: 4:52
